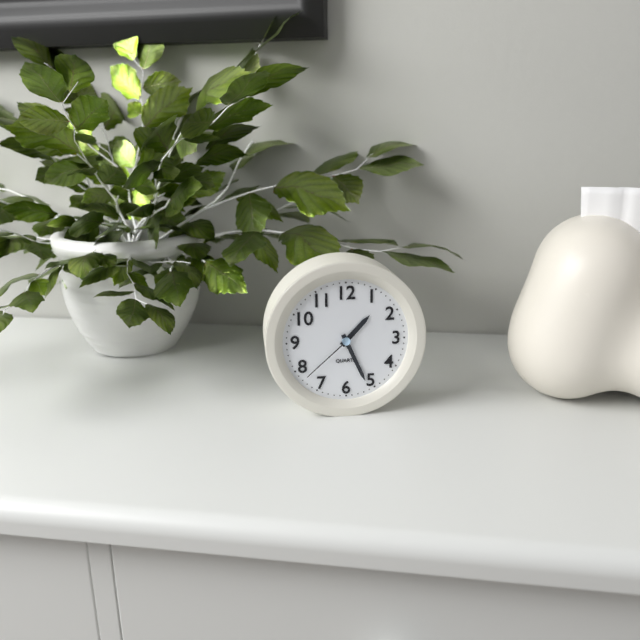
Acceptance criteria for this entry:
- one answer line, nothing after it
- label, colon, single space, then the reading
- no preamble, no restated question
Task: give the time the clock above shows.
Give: 1:26:38
